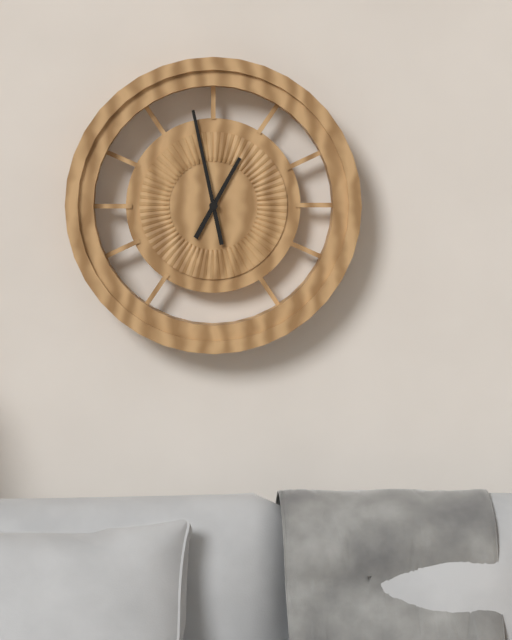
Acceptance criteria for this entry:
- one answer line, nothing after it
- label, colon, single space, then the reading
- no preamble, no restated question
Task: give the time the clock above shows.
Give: 12:58
